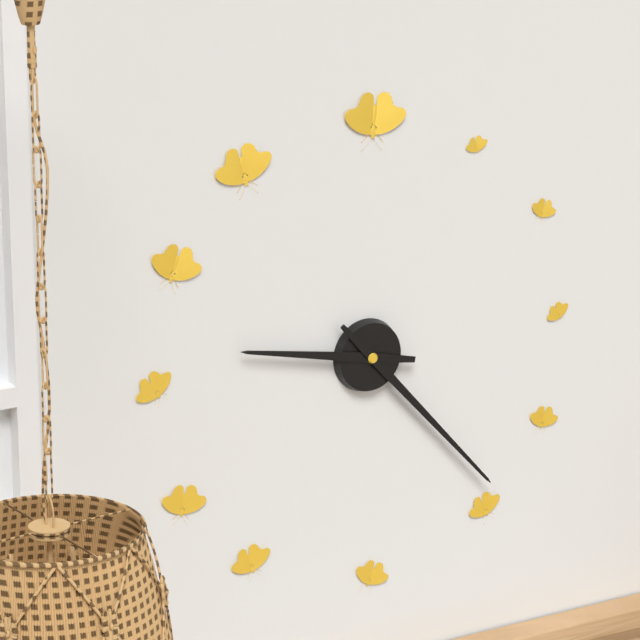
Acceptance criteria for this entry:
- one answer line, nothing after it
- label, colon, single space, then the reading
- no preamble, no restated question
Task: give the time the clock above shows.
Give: 9:23
